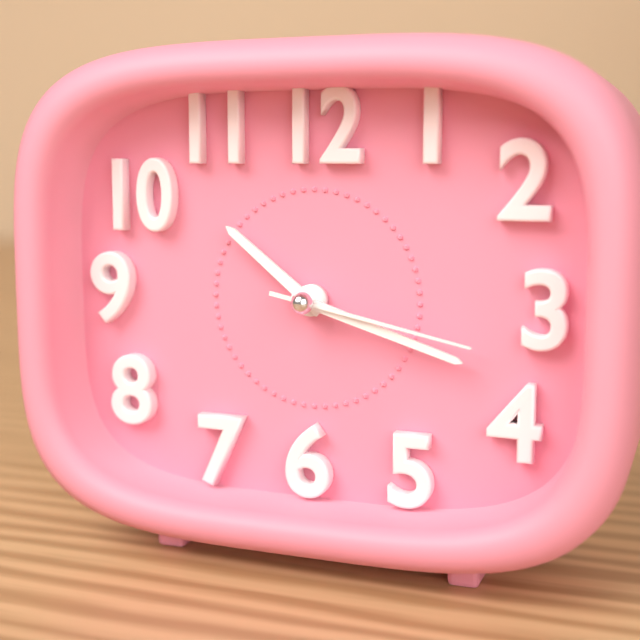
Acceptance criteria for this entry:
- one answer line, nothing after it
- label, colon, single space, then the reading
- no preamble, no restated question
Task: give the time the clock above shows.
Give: 10:18:17
